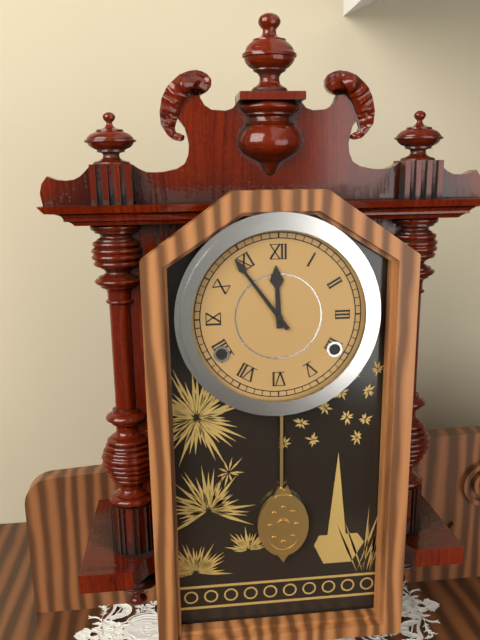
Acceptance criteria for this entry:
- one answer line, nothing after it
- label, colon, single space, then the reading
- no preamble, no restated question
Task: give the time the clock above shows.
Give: 11:54
